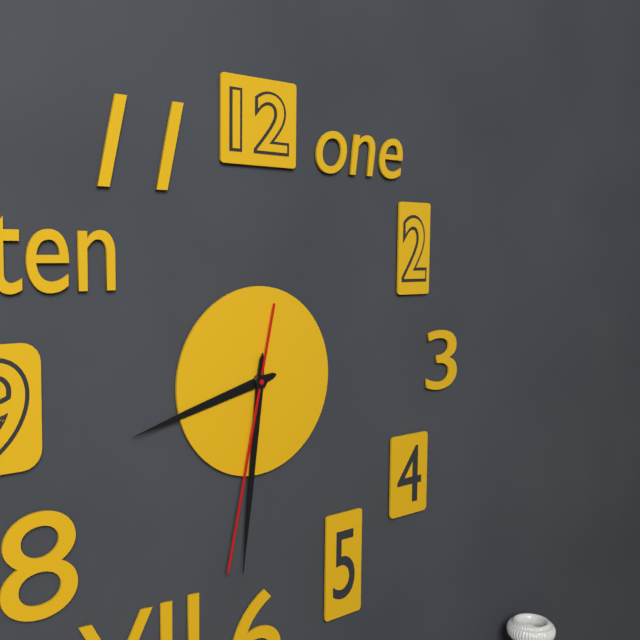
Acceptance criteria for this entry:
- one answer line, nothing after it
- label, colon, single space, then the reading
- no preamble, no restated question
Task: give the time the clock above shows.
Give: 8:31:32
